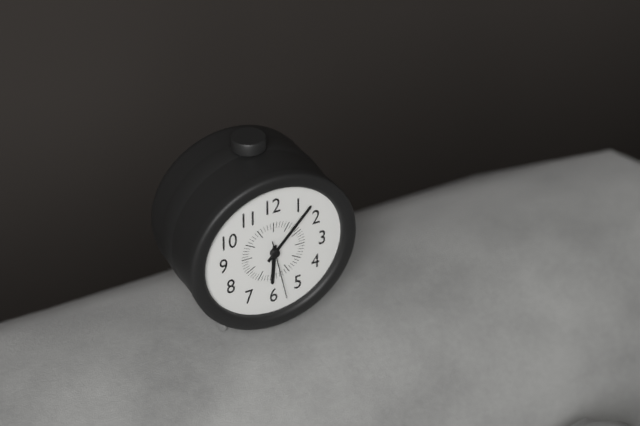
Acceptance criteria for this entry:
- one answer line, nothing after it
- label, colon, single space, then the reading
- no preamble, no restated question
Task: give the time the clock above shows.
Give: 6:07:28
